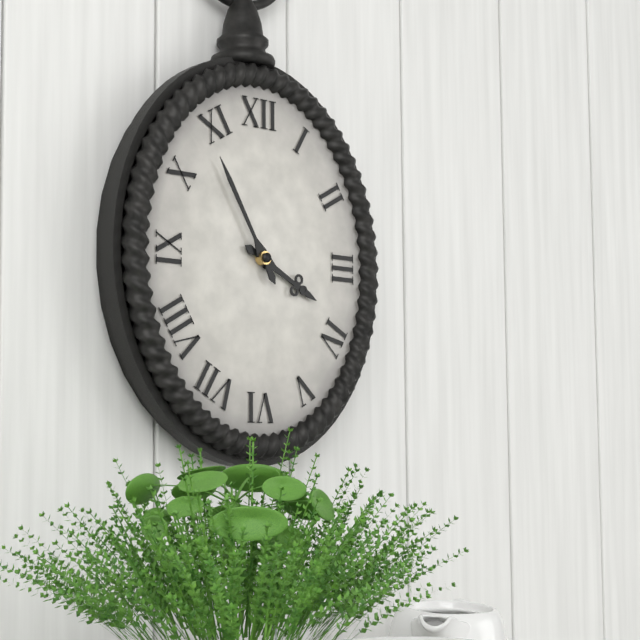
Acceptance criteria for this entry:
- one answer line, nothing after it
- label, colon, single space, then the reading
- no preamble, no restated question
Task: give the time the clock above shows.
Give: 3:55
